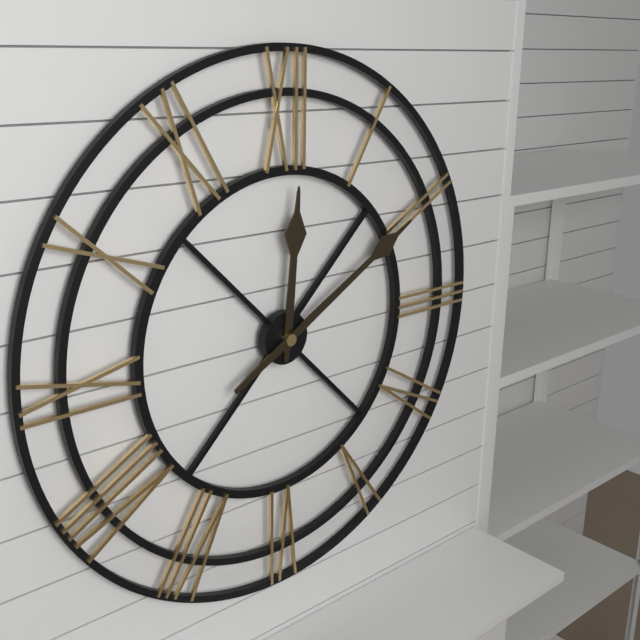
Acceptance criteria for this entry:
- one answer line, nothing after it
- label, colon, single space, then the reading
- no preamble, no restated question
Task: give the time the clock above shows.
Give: 12:10
